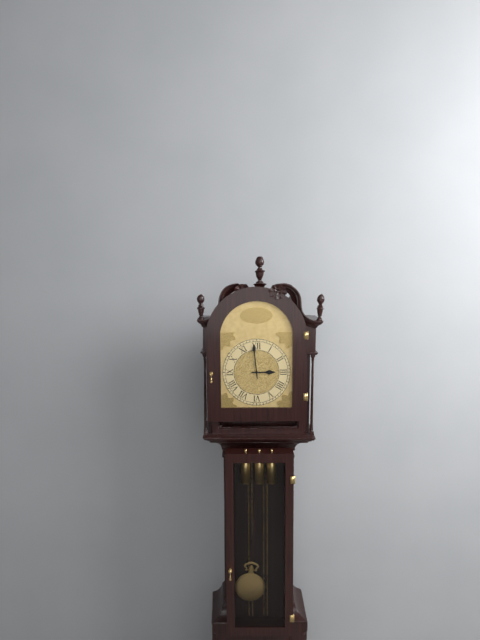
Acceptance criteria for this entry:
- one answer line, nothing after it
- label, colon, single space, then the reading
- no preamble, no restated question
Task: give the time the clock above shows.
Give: 2:59
